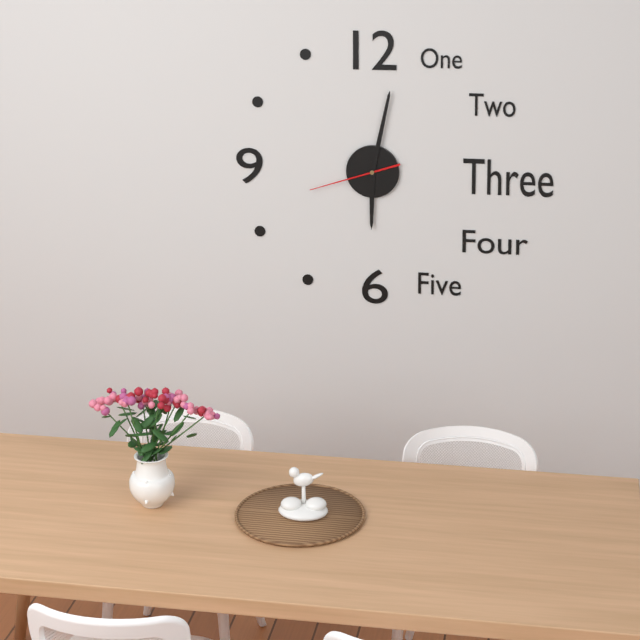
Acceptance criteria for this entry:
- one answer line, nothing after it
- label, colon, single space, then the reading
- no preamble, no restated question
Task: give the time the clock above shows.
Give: 6:02:42
